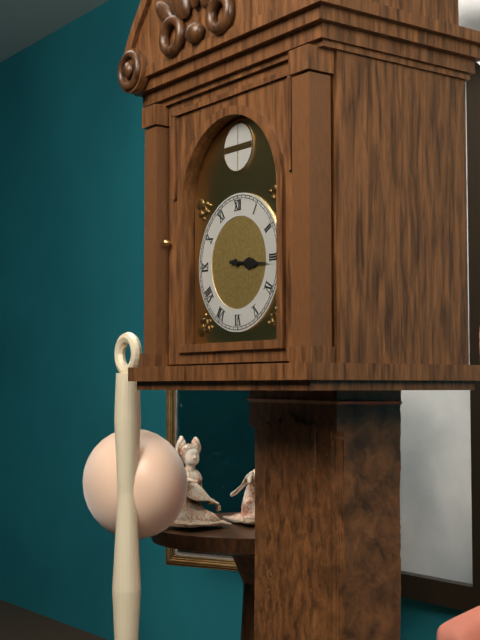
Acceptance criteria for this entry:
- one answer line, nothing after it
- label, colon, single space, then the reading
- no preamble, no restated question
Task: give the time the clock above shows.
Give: 3:16
